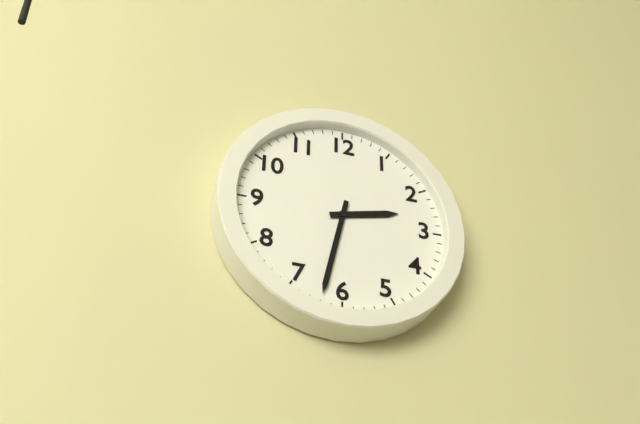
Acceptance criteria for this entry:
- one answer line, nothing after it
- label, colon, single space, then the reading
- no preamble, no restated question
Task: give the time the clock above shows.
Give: 2:32
